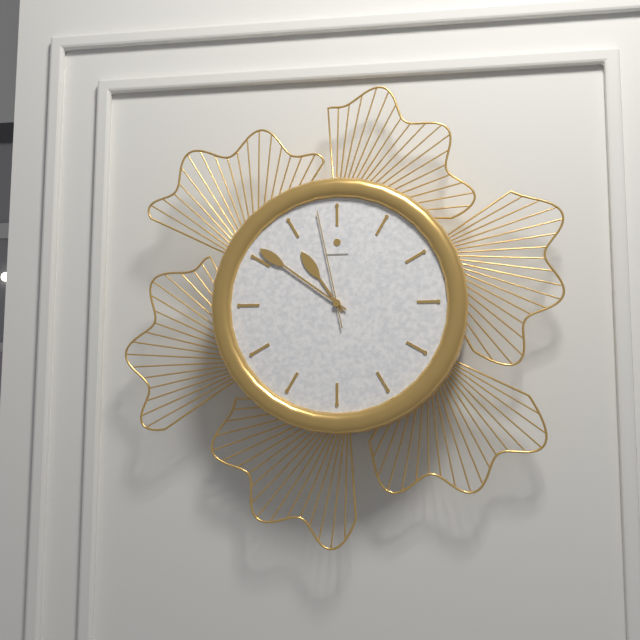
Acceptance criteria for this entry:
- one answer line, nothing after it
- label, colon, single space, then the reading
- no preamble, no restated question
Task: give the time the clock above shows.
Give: 10:51:58
